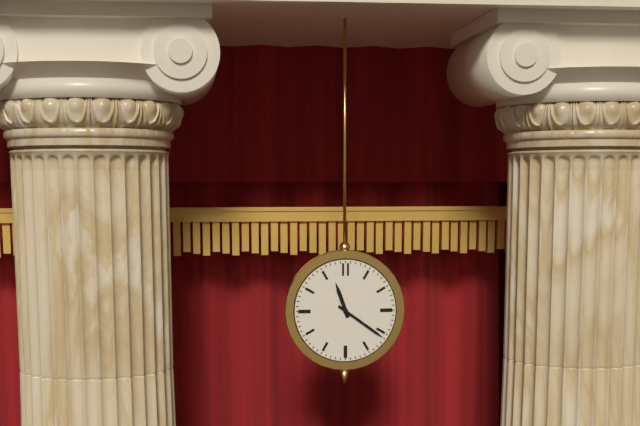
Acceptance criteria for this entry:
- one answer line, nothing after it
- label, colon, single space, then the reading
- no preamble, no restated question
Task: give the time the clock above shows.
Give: 11:21
